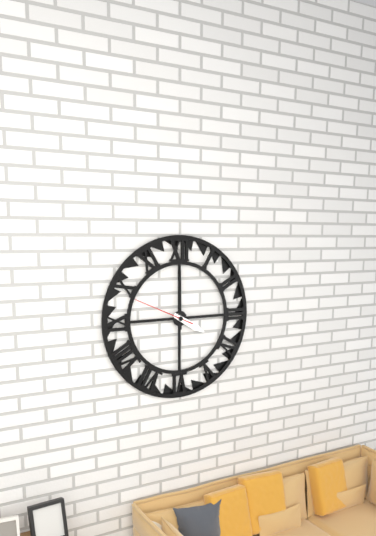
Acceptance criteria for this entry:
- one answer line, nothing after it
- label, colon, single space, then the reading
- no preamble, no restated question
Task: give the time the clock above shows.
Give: 4:00:49
